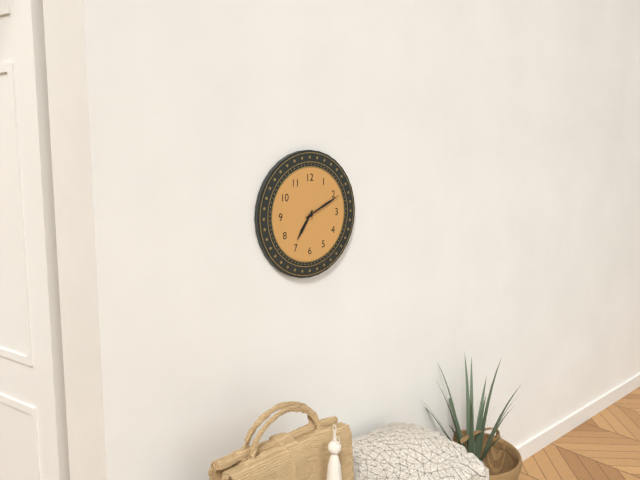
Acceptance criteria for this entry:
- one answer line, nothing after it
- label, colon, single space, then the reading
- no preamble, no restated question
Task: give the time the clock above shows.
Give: 7:11
